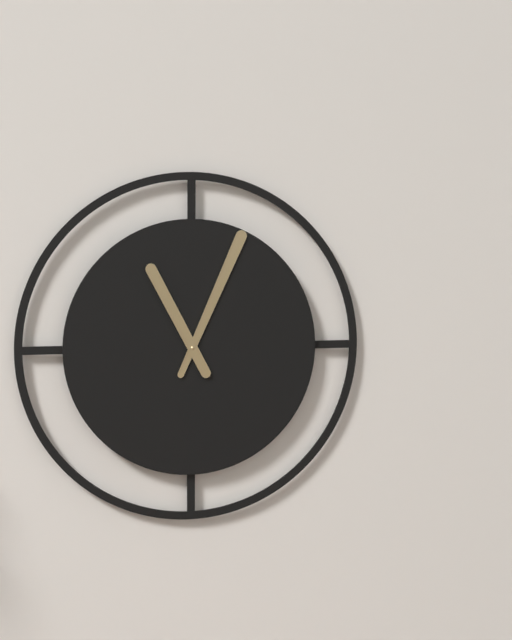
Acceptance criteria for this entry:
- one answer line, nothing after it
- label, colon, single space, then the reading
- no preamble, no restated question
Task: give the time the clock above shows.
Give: 11:04
